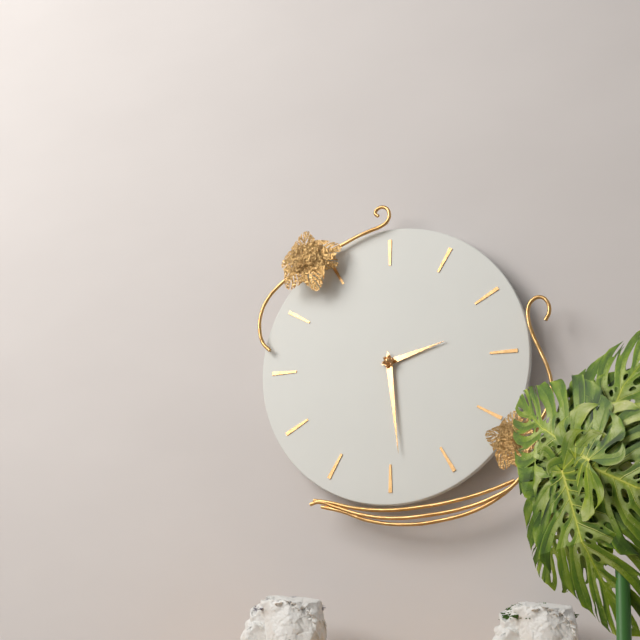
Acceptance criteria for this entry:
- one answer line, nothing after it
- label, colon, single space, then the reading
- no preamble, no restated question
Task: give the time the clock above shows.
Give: 2:29
